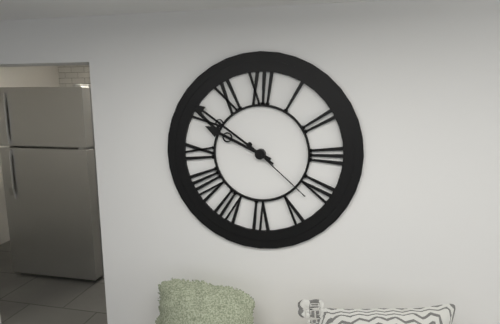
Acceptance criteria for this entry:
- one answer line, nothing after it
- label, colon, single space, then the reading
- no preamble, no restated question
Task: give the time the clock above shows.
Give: 9:51:22
